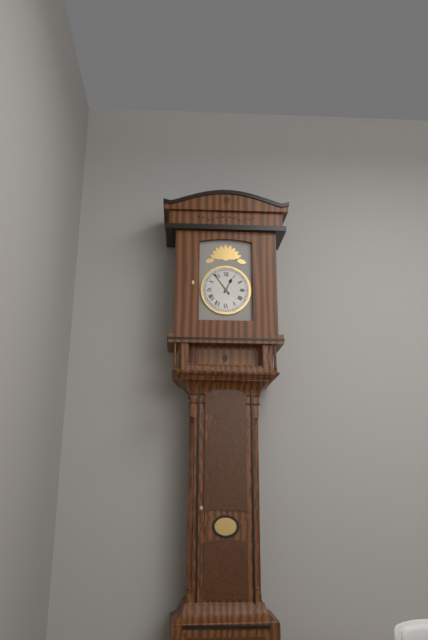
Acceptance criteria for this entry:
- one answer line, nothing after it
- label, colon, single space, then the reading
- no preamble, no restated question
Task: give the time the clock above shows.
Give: 12:54
